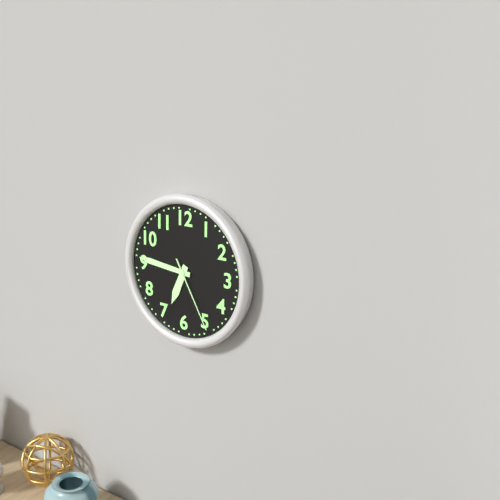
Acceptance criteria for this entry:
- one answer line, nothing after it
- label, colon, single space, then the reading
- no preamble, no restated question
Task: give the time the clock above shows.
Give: 6:46:25
